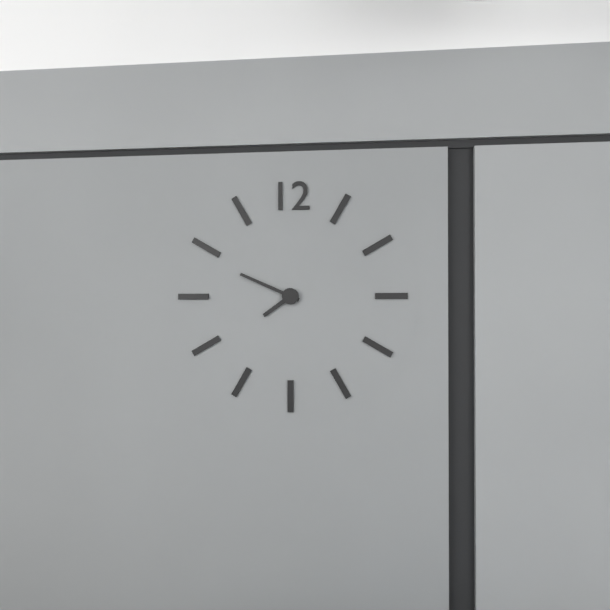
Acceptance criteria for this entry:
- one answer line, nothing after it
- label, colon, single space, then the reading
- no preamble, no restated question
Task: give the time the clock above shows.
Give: 7:49
